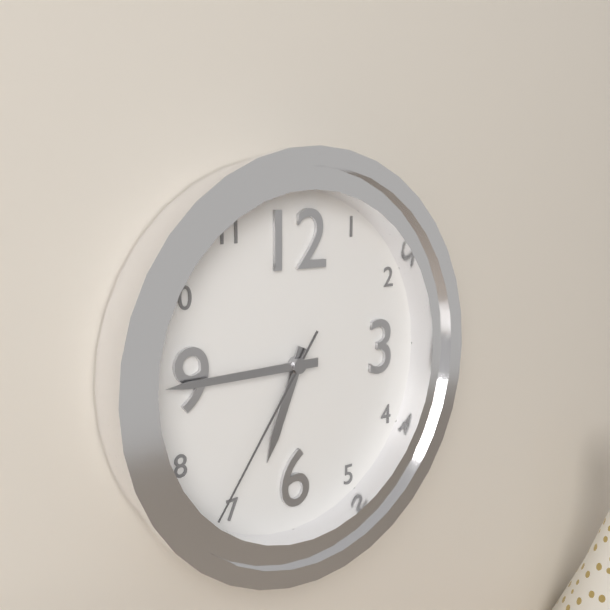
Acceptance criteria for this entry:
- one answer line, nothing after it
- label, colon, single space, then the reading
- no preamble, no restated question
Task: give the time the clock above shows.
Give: 6:45:36
